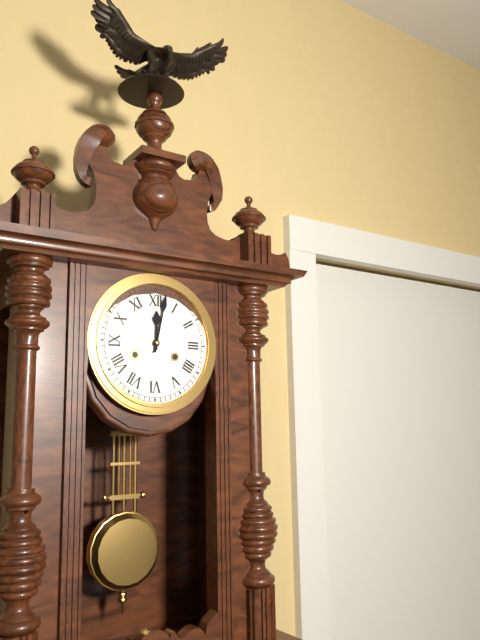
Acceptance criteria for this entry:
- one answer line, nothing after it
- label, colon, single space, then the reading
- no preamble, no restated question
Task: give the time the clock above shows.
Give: 12:02
